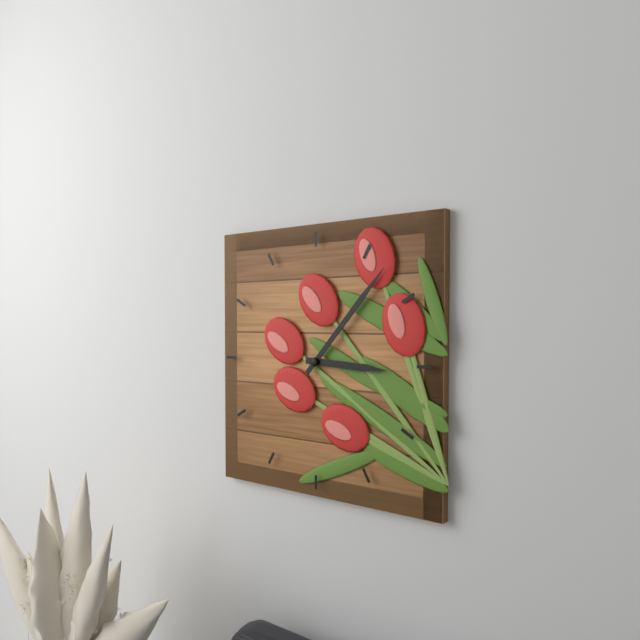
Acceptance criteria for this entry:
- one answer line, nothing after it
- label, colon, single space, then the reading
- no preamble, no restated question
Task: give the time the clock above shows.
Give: 3:07
